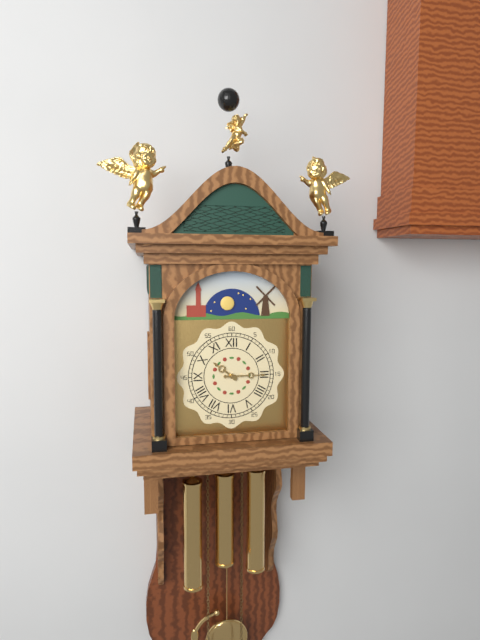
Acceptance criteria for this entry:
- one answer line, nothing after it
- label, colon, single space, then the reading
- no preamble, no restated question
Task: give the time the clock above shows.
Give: 10:15
